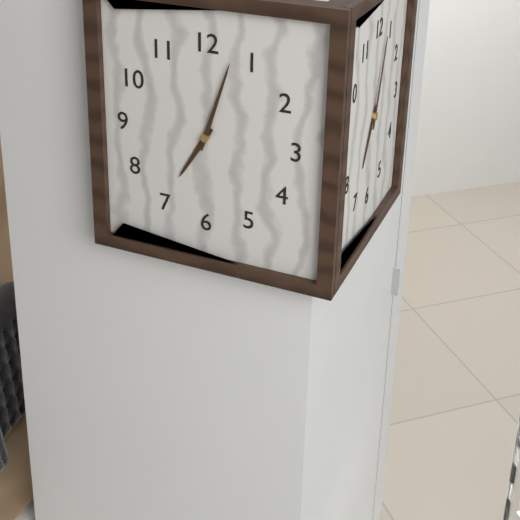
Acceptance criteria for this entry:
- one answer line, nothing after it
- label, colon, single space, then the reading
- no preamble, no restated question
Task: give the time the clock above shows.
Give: 7:03
